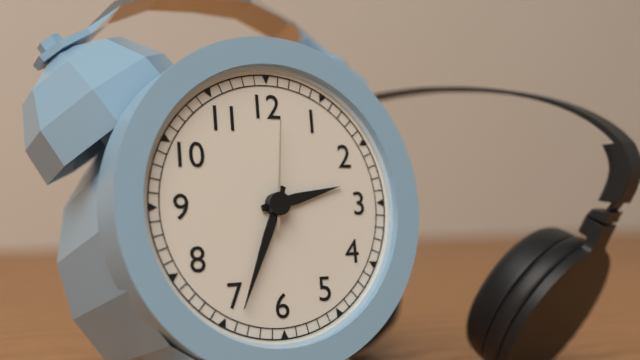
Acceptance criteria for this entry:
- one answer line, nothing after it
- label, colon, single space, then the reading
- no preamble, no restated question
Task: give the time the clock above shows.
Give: 2:34:01
